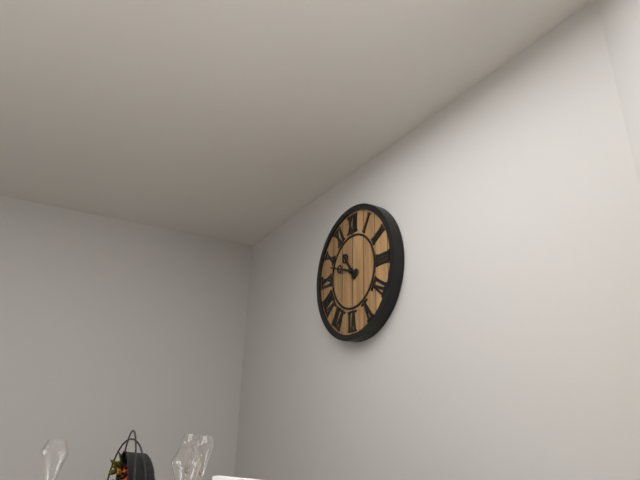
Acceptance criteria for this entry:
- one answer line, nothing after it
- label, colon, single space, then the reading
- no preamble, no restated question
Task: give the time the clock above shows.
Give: 10:48
